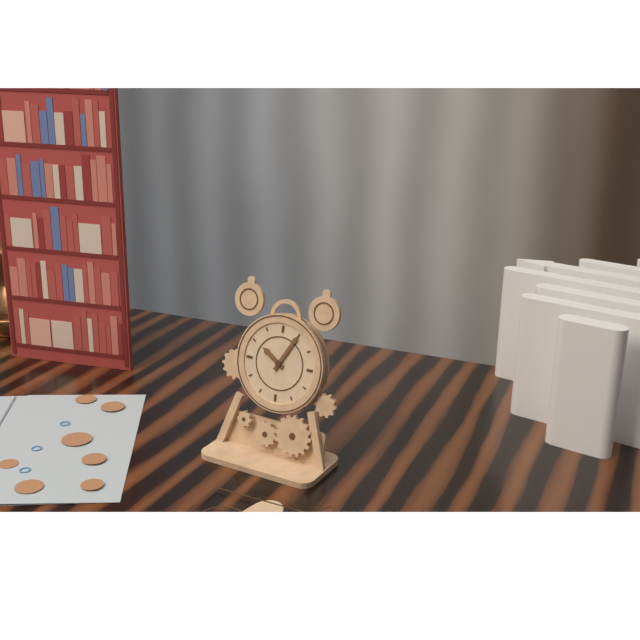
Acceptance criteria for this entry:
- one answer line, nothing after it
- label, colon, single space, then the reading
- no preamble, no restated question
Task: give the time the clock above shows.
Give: 10:05
